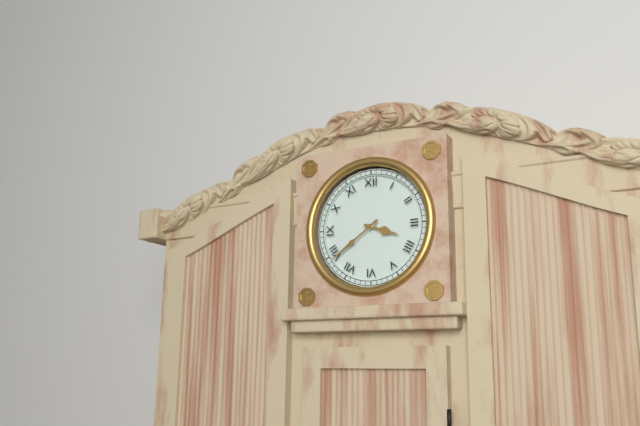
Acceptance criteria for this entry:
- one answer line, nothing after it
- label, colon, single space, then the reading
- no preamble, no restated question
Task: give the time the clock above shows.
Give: 3:39
